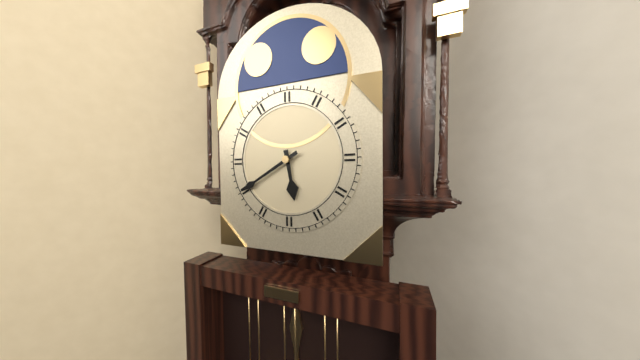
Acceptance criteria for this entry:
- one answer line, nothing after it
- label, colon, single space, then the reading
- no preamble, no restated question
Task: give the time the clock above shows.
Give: 5:40
